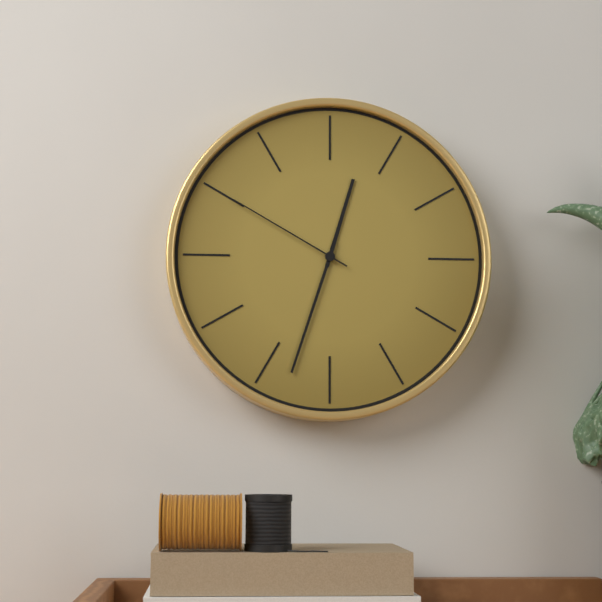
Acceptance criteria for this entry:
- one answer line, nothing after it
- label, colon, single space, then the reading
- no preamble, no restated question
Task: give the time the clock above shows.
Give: 12:33:50
